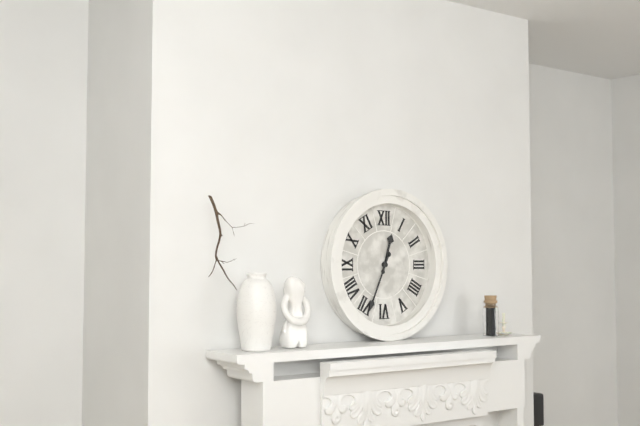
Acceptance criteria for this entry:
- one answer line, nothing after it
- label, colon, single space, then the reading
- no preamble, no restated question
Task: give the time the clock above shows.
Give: 12:34
